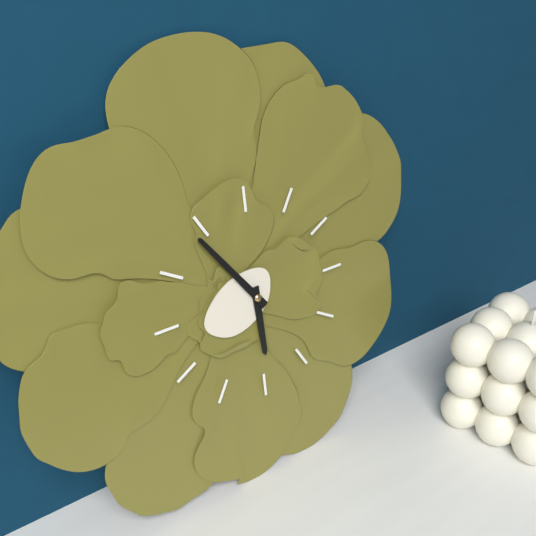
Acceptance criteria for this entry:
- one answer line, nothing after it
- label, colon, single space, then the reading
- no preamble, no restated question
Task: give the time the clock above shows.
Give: 5:54
